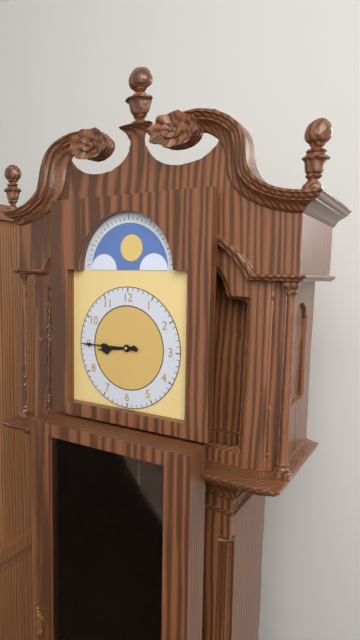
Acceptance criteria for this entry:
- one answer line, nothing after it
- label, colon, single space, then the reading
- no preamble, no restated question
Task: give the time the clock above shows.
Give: 8:45
